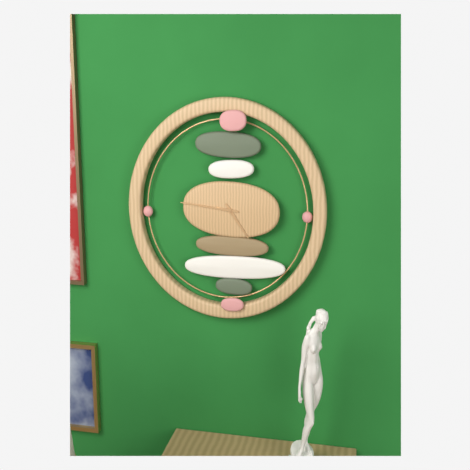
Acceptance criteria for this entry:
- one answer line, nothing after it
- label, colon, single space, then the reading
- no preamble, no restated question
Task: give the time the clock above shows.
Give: 4:46
